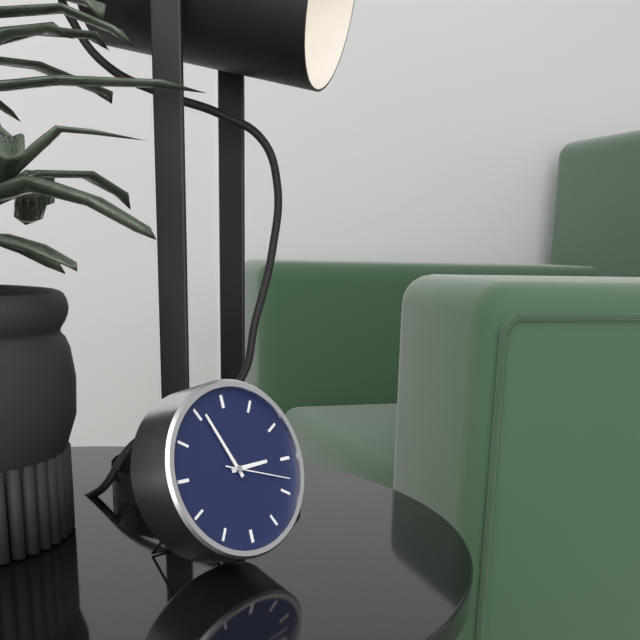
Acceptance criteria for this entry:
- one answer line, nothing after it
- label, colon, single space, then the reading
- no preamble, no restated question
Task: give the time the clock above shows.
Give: 2:56:18
